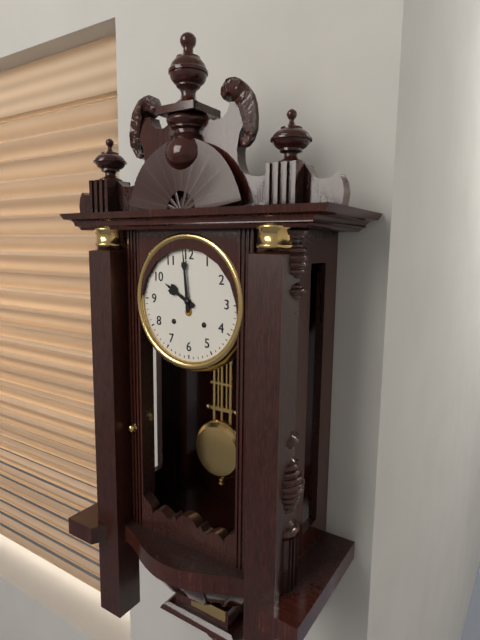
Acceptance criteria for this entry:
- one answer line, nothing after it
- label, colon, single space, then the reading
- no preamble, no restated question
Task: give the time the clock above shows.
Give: 9:59
